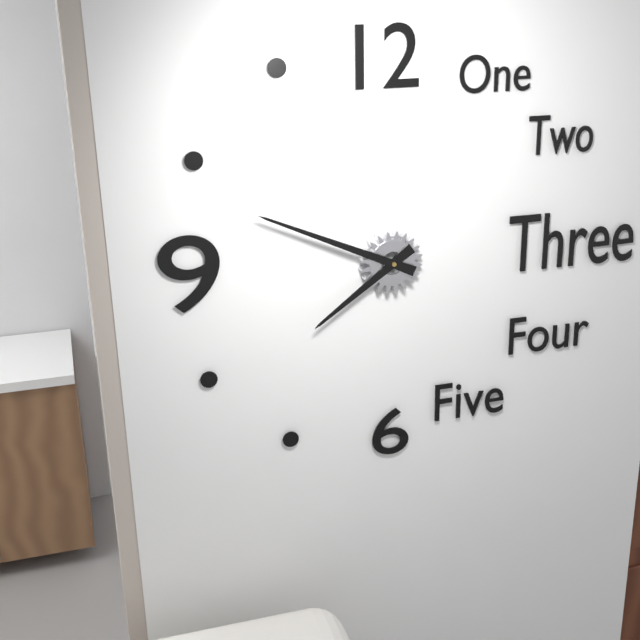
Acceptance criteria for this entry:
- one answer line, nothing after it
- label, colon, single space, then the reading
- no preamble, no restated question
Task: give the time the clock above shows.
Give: 7:49
